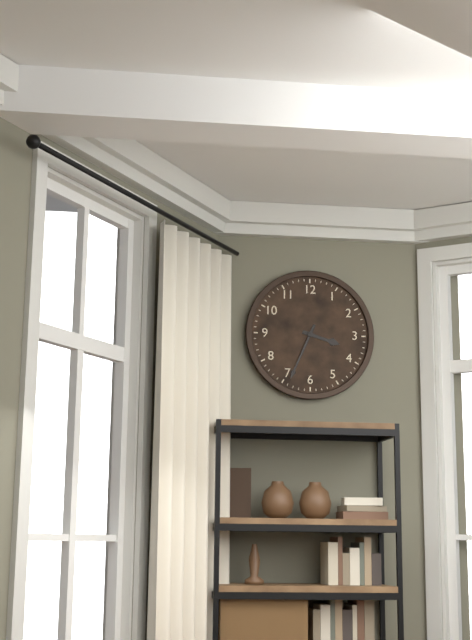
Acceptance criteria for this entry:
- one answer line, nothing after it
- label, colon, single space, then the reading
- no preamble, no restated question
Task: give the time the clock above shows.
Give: 3:34
